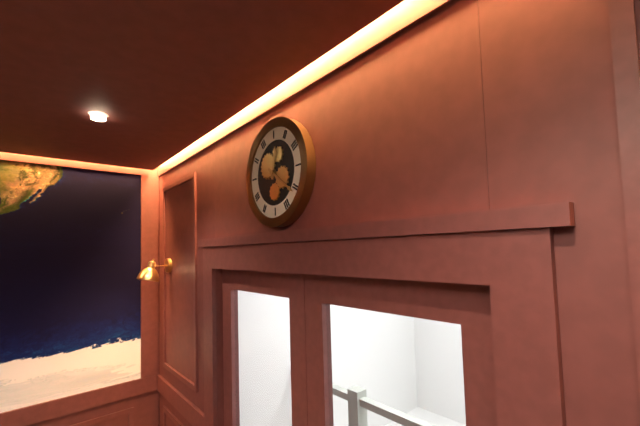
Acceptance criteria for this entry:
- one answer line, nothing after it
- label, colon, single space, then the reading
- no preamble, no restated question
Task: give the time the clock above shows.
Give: 12:21
